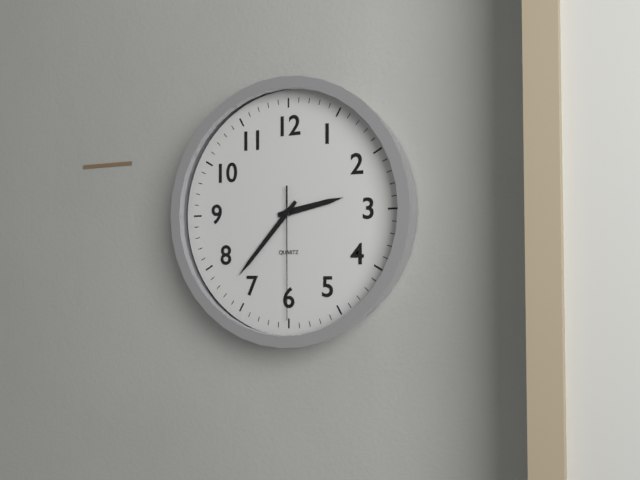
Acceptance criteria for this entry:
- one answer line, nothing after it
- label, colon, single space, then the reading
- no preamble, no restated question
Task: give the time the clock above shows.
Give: 2:37:30
